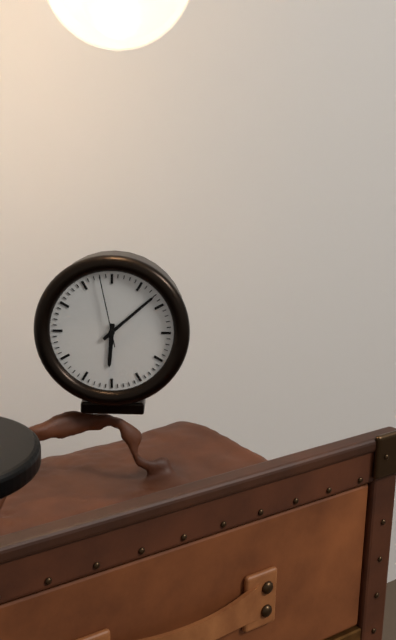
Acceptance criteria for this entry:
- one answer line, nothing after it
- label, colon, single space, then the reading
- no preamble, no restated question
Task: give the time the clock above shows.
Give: 6:08:58
